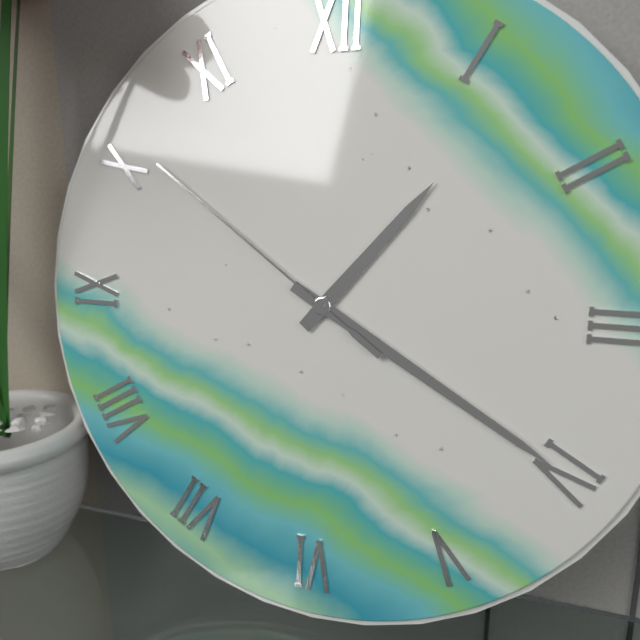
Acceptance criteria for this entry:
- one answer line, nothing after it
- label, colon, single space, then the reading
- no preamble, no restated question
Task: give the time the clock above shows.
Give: 1:20:51
